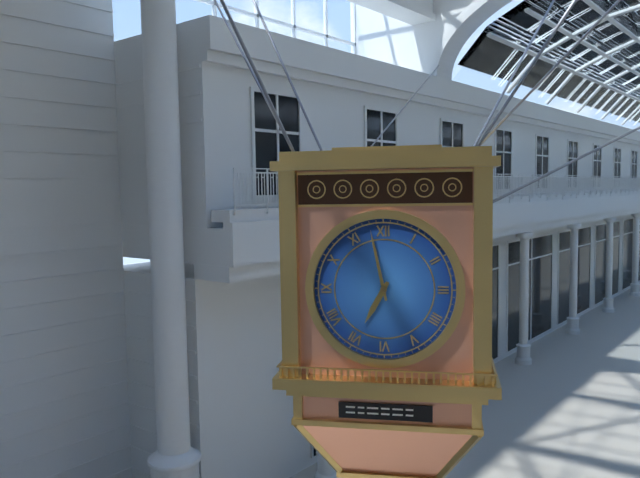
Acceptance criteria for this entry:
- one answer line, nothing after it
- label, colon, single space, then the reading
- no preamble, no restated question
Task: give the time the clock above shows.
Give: 6:58
